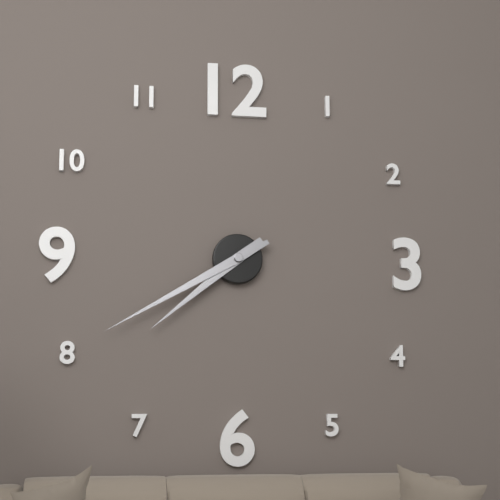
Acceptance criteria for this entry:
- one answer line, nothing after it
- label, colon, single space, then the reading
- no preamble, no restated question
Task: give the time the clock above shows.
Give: 7:40
